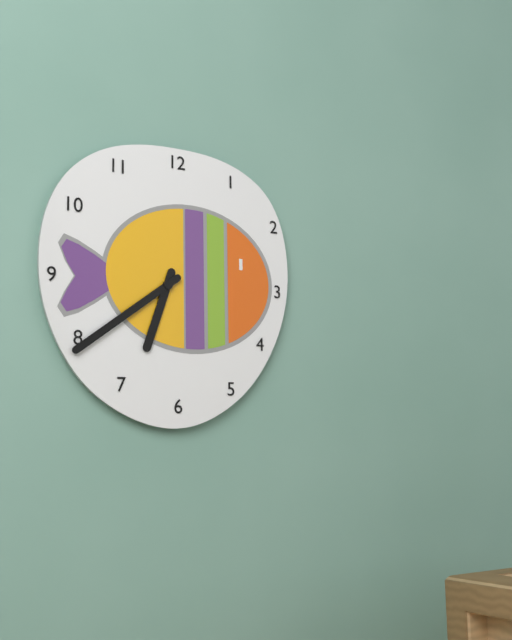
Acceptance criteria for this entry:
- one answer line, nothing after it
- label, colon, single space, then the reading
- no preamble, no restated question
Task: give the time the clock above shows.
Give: 6:39
